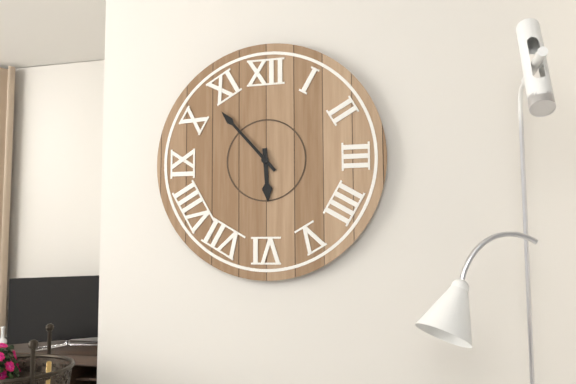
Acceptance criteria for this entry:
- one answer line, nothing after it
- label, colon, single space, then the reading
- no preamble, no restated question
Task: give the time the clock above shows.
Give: 5:53
